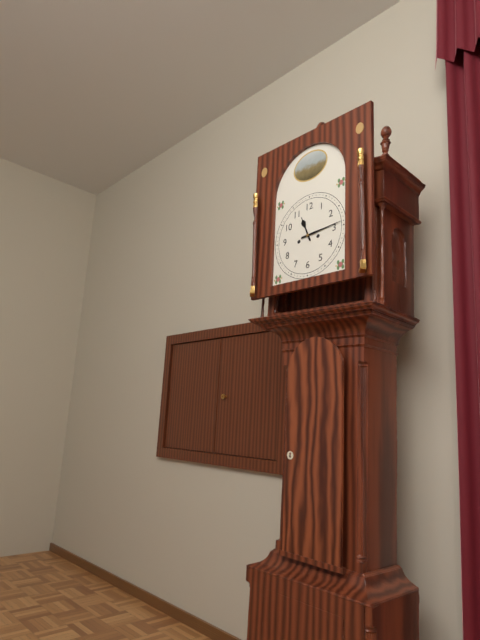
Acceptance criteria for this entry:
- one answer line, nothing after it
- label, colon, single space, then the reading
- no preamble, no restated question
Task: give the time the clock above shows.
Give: 11:14
